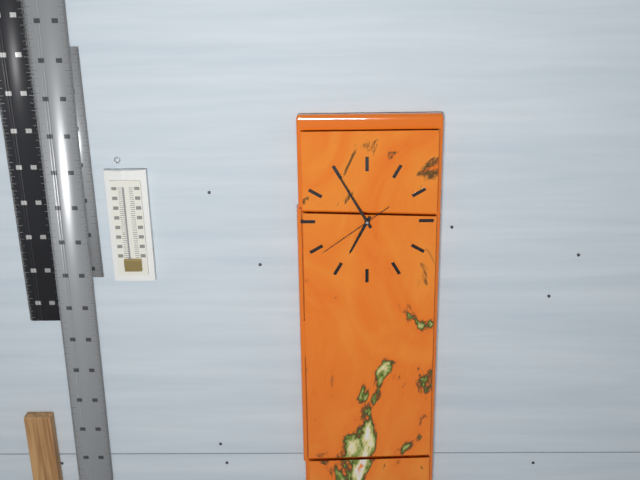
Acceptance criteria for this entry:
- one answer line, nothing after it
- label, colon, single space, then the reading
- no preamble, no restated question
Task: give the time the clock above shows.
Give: 6:55:39
